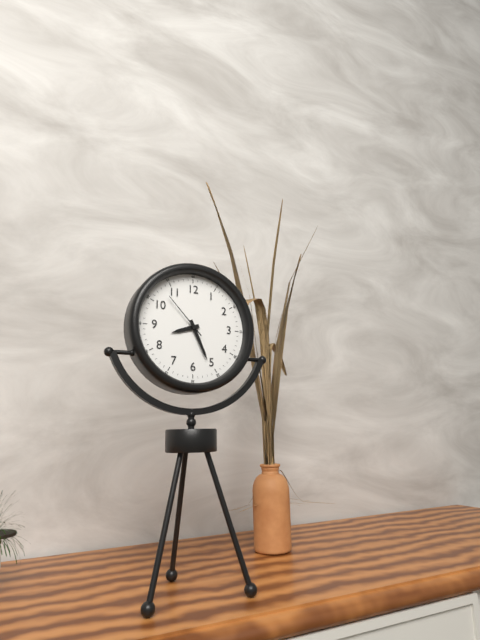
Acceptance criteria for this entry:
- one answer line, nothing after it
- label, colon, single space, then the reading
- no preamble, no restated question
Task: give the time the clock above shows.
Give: 8:26
